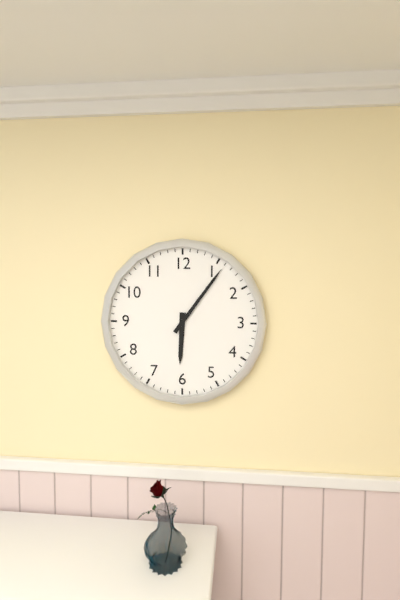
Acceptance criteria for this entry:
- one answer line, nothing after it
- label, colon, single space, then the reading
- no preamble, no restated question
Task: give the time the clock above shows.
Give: 6:06
